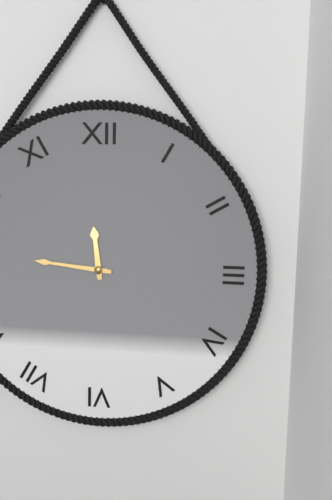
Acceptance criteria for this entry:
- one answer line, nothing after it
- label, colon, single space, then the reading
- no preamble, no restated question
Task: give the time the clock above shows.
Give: 11:46
